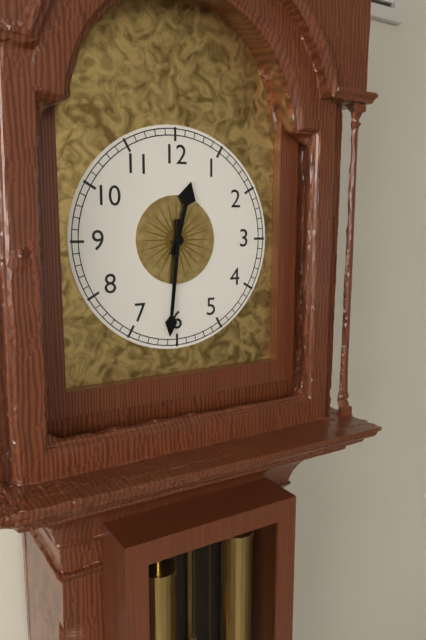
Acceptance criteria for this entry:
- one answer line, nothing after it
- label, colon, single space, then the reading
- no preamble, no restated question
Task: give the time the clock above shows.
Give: 12:31
